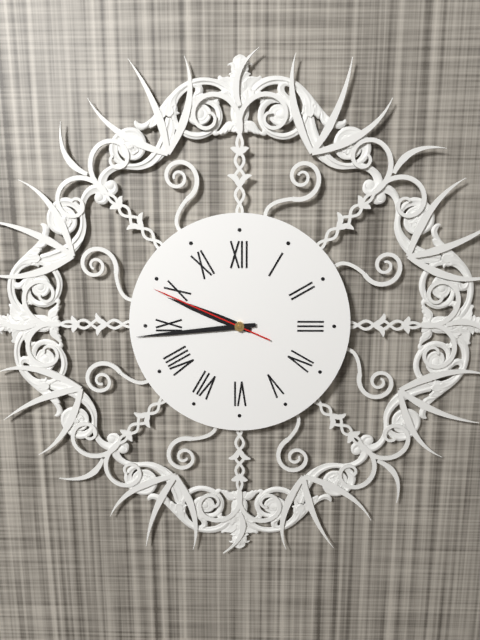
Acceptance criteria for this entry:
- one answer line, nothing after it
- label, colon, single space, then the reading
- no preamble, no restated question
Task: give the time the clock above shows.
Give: 9:44:49
